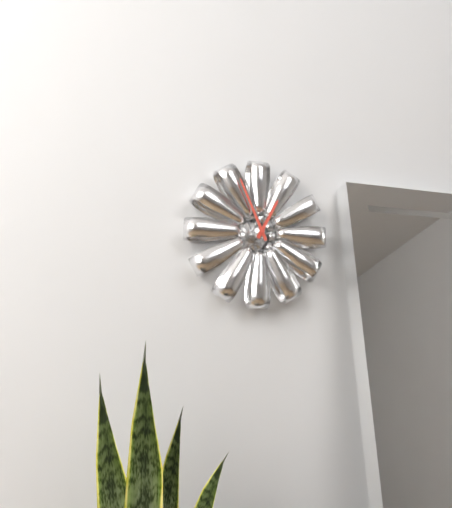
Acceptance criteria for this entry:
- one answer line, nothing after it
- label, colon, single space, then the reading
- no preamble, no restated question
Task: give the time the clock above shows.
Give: 12:56
